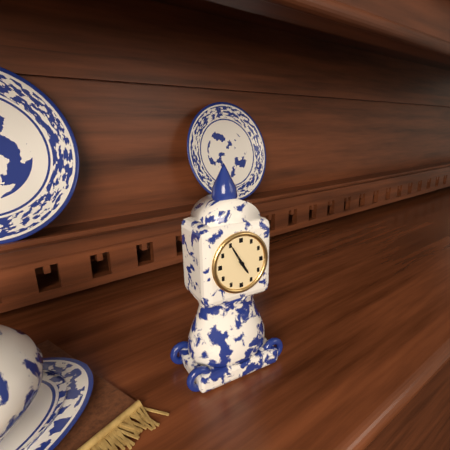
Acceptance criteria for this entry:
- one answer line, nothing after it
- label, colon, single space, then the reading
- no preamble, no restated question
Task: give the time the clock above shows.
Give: 4:55
